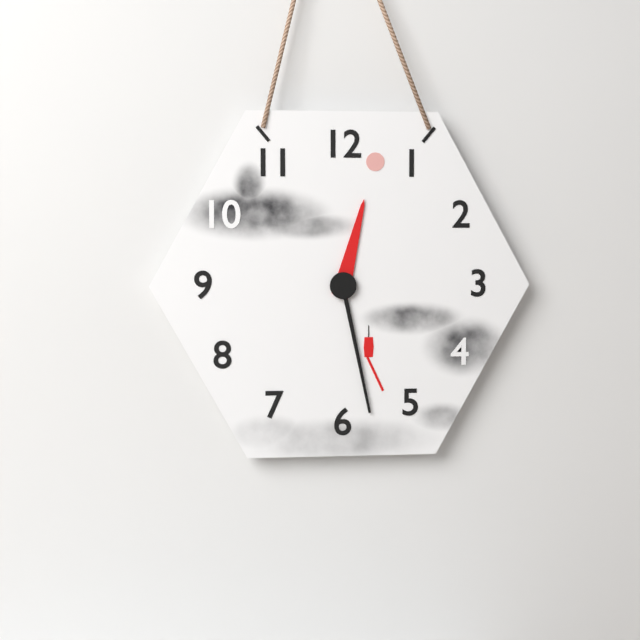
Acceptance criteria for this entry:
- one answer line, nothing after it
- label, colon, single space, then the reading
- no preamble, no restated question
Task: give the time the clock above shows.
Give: 12:28
